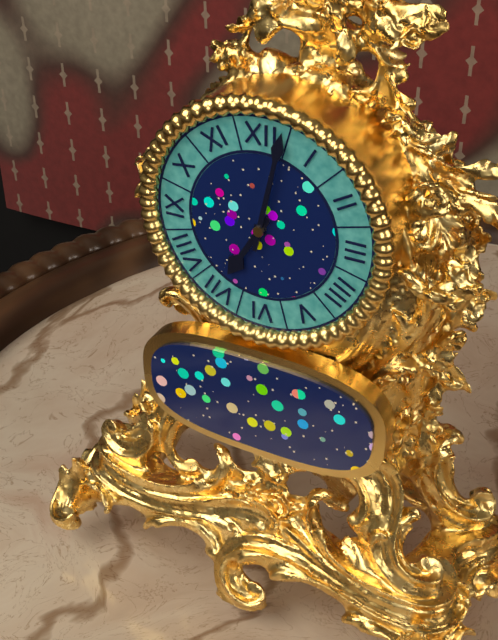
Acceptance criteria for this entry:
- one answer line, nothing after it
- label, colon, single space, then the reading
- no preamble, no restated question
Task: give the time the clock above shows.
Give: 7:02
